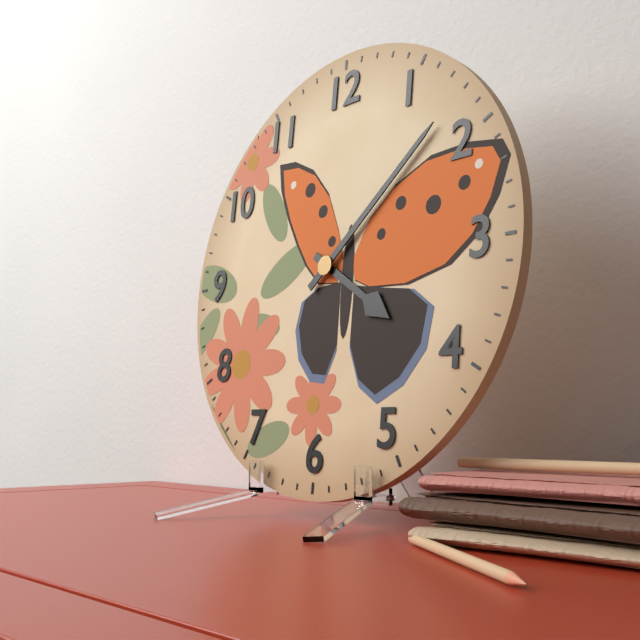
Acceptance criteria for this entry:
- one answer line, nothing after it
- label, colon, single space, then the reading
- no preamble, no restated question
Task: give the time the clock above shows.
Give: 4:08
